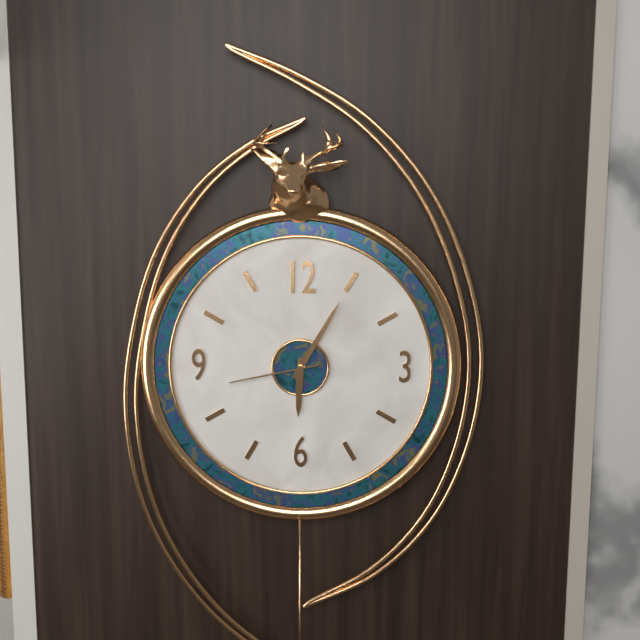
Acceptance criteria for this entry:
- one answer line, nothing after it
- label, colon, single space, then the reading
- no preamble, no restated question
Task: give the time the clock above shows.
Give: 6:05:43
